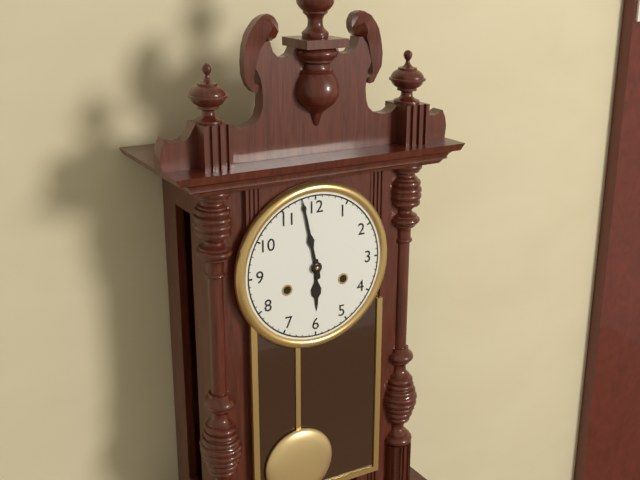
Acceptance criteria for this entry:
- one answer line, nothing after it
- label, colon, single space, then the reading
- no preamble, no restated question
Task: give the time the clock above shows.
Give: 5:58
